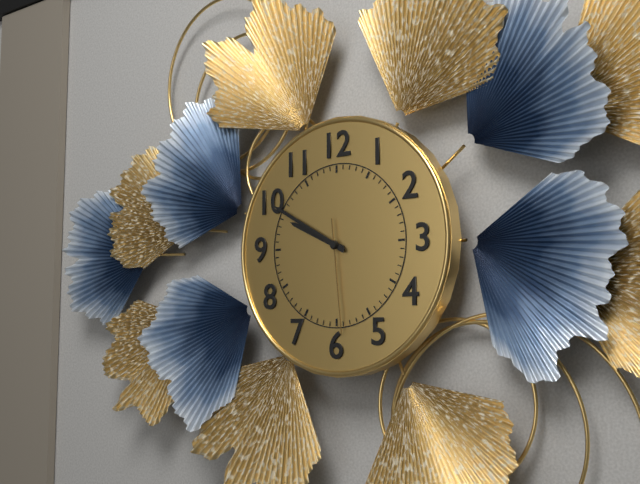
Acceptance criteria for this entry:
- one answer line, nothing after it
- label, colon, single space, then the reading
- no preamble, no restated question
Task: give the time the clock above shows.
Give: 9:50:29
